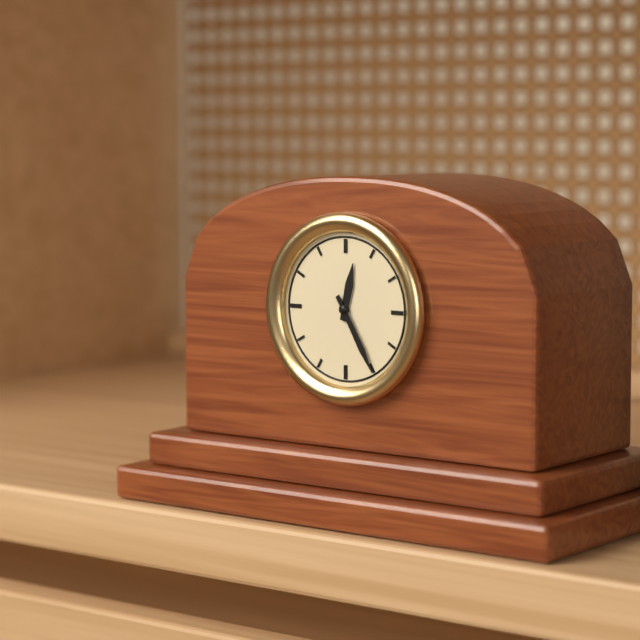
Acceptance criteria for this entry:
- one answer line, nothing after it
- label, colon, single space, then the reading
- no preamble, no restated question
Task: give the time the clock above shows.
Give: 12:25
